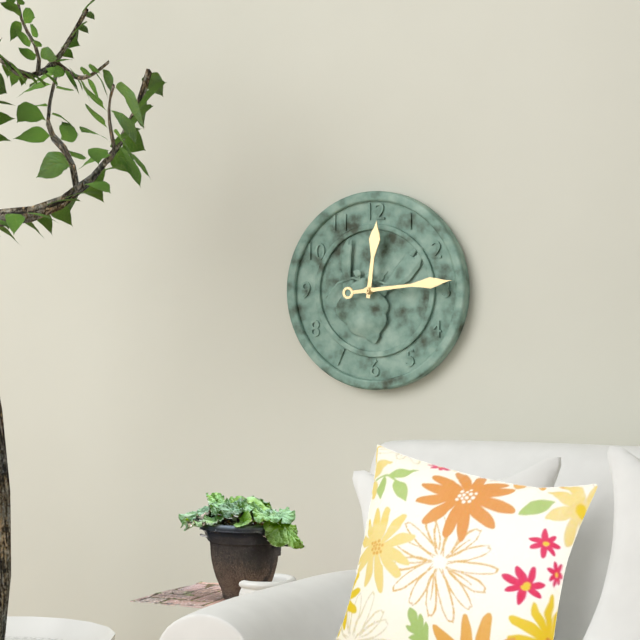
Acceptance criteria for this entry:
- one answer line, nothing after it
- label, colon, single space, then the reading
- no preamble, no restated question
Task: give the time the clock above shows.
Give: 12:14
